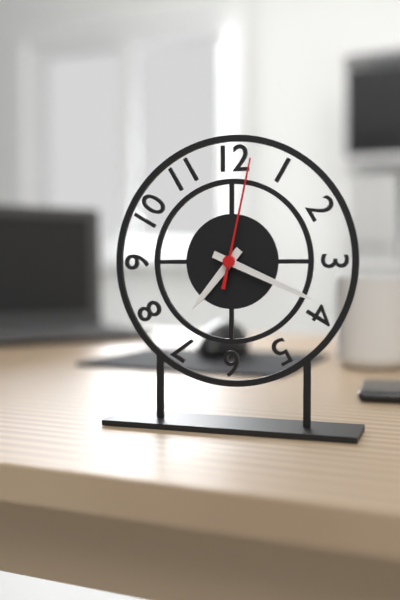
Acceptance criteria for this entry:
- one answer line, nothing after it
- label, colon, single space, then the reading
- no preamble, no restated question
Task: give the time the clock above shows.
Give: 7:19:02
